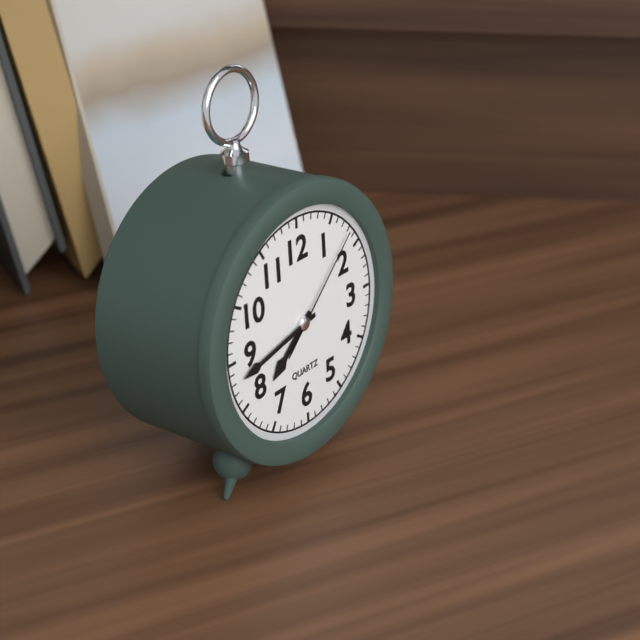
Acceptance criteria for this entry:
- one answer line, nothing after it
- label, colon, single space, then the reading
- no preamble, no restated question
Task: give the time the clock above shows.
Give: 7:43:08
